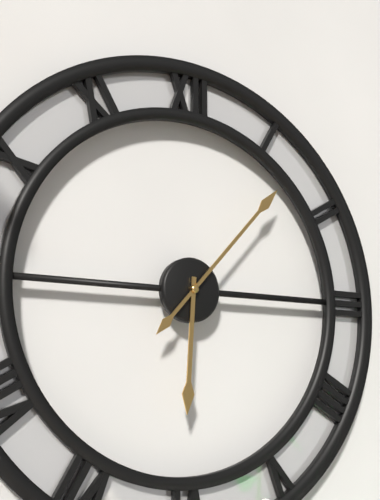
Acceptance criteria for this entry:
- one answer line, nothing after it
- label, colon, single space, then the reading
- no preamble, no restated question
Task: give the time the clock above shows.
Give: 6:07
